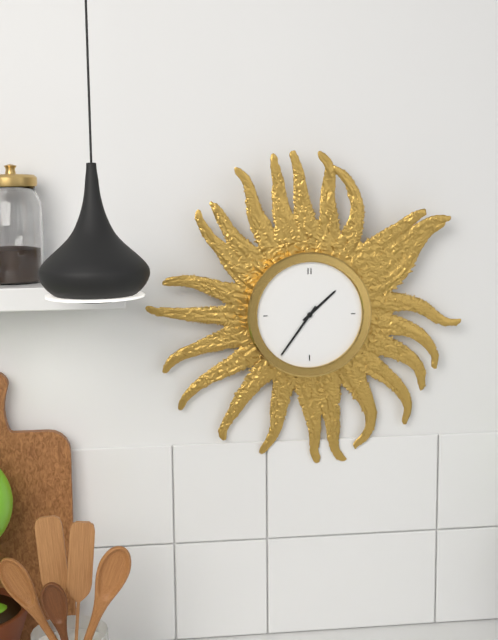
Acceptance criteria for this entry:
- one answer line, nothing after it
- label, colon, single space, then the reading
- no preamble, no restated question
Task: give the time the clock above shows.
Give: 1:36
